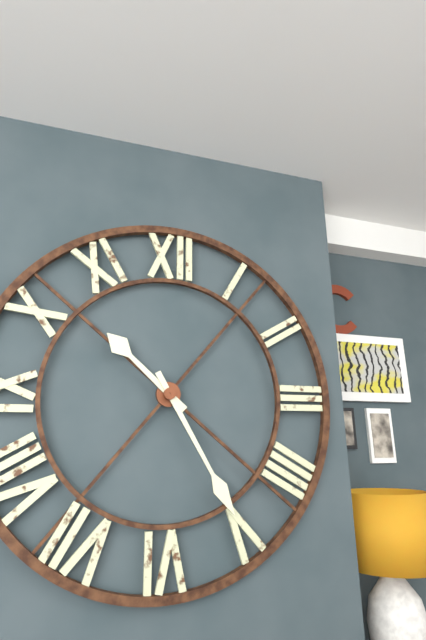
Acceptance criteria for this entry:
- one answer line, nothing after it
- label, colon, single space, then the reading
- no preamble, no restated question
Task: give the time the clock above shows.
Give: 10:25
